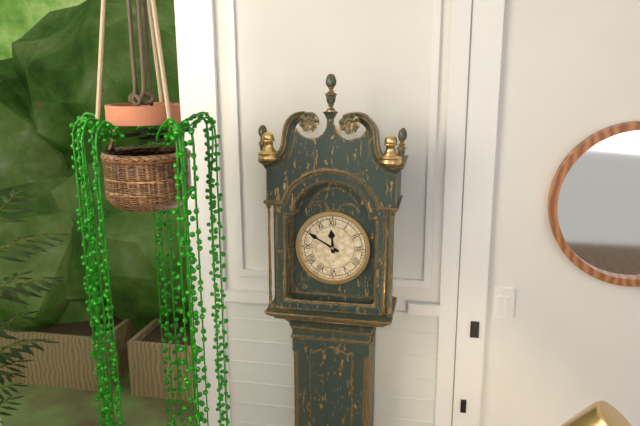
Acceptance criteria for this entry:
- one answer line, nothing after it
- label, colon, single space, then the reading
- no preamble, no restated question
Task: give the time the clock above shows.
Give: 11:50
